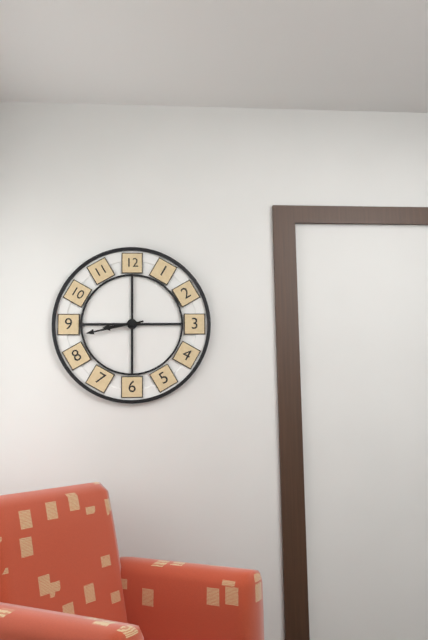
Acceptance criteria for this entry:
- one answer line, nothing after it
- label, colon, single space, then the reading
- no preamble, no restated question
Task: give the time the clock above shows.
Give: 8:43
